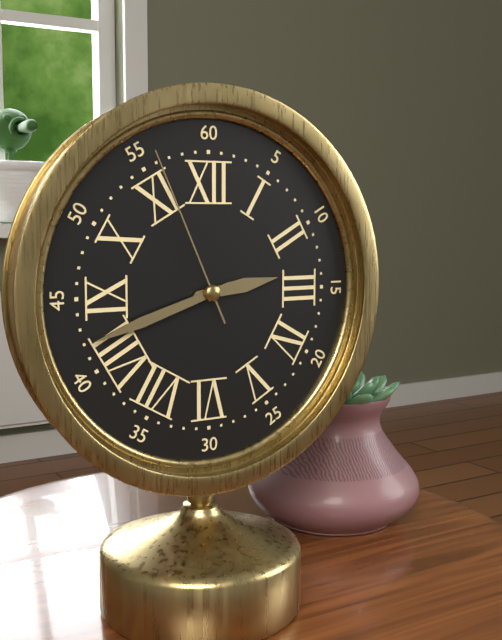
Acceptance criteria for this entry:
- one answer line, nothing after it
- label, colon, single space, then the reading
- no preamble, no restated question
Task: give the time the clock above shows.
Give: 2:42:56
